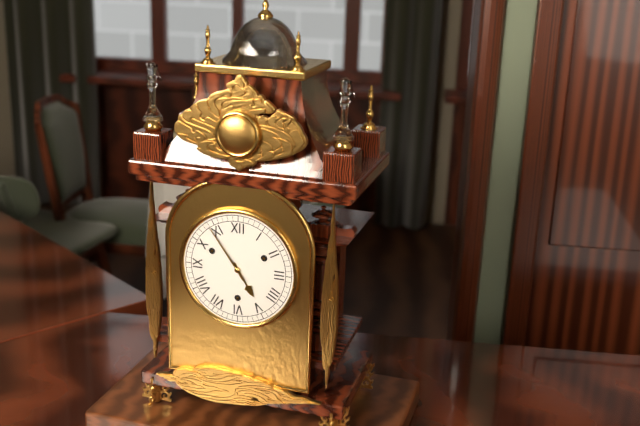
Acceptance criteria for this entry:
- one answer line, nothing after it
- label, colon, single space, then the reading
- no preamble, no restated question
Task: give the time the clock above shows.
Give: 4:54
